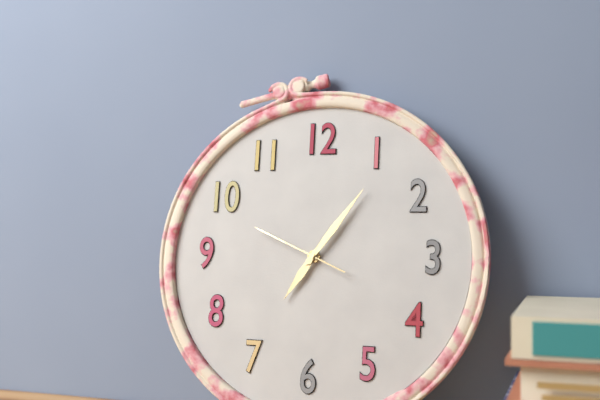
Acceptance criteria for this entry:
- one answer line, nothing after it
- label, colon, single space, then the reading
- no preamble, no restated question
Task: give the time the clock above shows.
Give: 7:06:49
